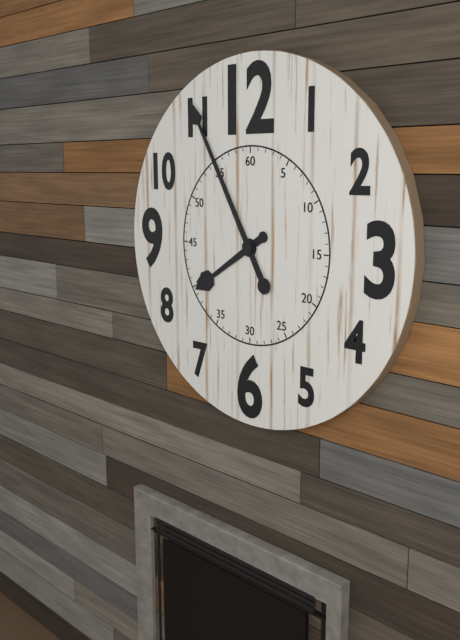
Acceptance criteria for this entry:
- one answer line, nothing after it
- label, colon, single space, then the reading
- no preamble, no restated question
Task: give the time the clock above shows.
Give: 7:55
